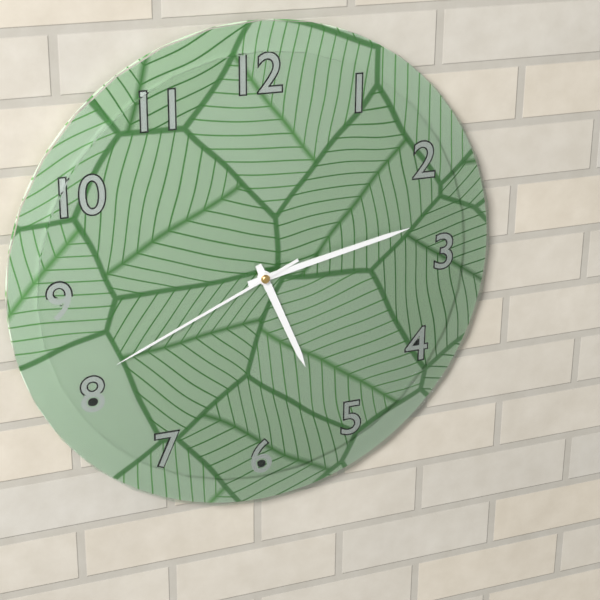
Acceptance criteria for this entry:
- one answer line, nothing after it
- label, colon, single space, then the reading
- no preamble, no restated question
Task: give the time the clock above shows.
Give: 5:13:41
